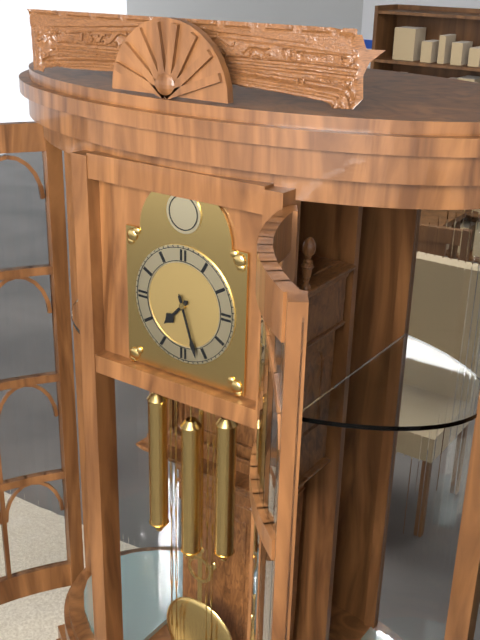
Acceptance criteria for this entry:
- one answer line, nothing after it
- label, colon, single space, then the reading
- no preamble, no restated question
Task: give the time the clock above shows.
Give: 7:27
